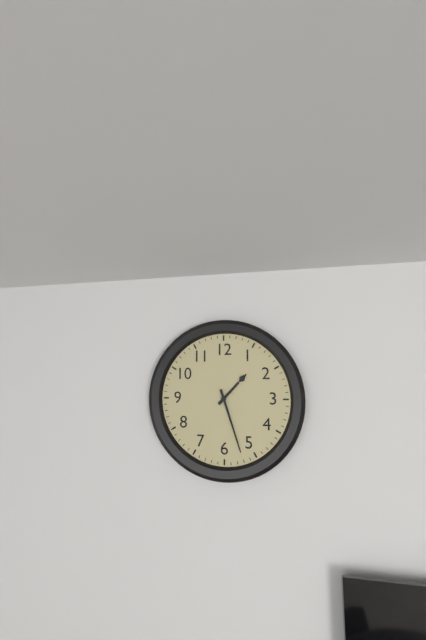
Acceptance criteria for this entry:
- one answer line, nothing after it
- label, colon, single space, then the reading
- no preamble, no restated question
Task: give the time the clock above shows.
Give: 1:27
